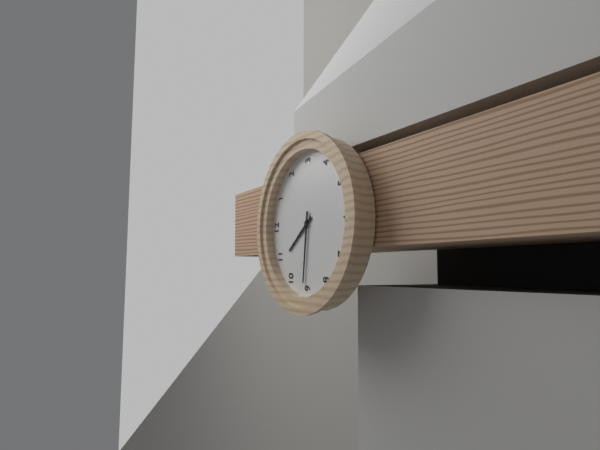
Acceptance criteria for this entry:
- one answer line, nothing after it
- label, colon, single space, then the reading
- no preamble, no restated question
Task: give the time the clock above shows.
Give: 10:46
